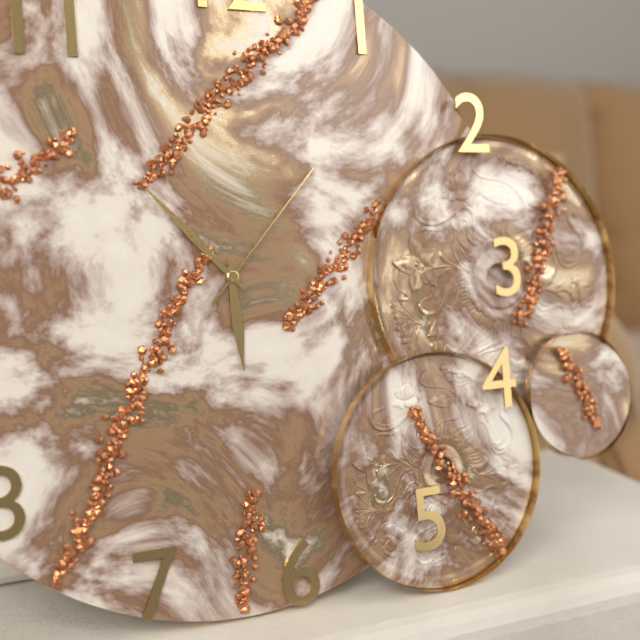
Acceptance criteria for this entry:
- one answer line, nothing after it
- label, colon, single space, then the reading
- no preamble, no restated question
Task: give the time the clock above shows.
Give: 5:53:07
